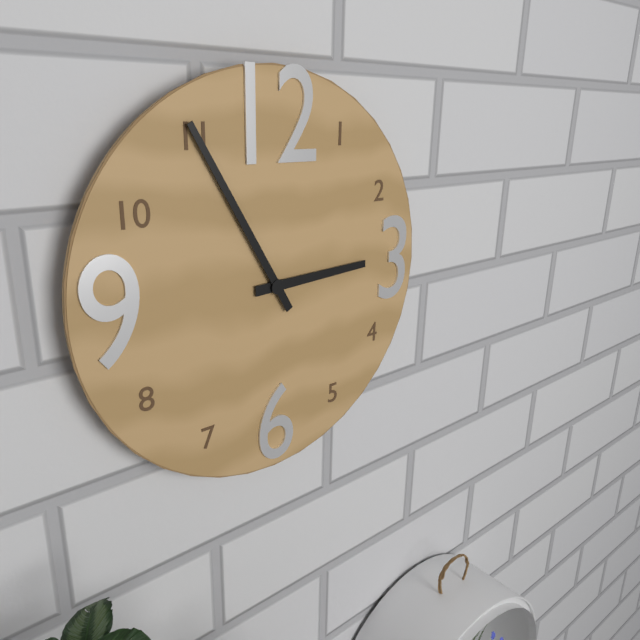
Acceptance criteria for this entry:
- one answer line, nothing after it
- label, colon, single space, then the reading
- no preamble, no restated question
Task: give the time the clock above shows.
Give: 2:55
